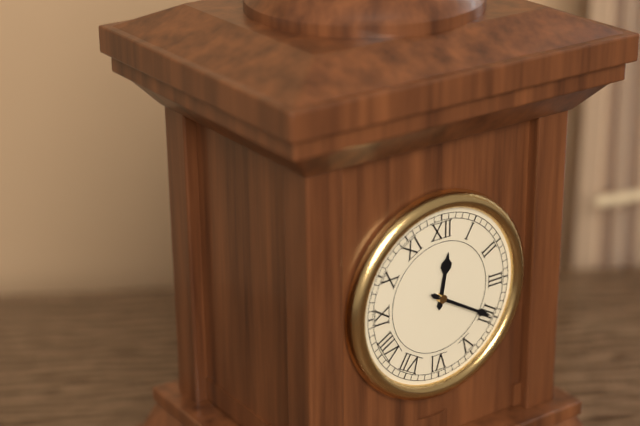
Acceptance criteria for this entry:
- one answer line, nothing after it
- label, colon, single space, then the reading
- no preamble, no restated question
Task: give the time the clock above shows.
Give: 12:20
